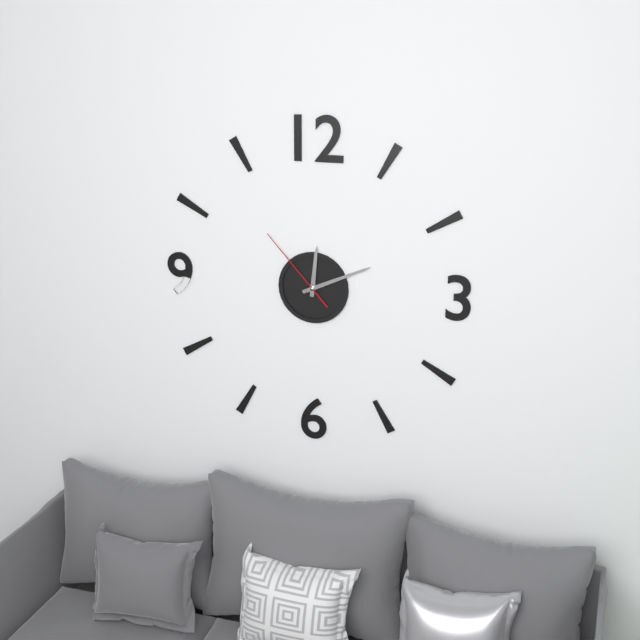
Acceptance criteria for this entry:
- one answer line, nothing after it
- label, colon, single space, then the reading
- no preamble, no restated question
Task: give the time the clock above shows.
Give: 12:11:53
